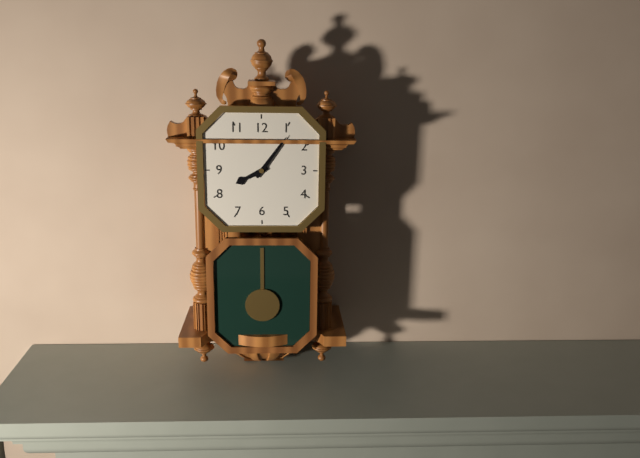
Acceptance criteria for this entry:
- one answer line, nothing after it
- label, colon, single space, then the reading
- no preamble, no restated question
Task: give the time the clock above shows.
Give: 8:06
